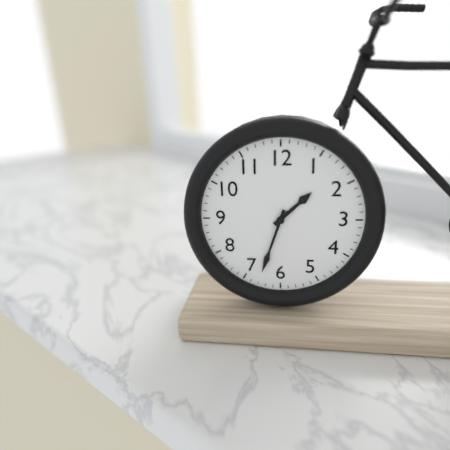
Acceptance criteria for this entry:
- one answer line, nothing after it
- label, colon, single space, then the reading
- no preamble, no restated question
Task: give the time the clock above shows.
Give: 1:33
